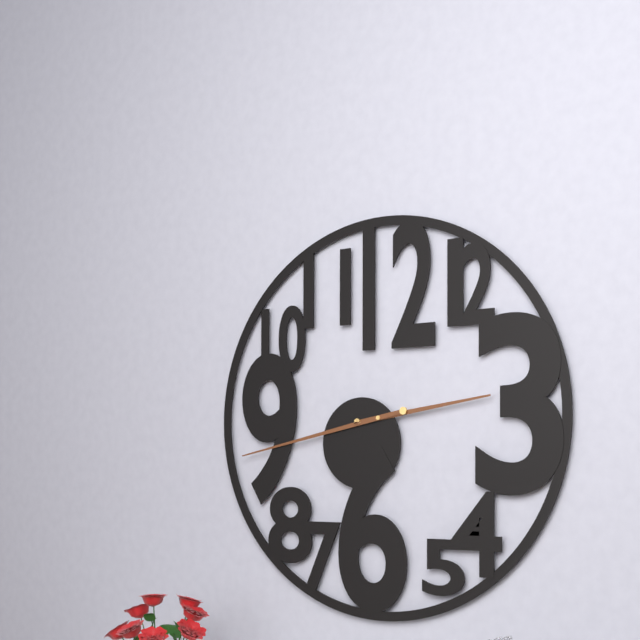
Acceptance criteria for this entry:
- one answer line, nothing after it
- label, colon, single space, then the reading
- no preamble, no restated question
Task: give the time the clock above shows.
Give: 2:43
